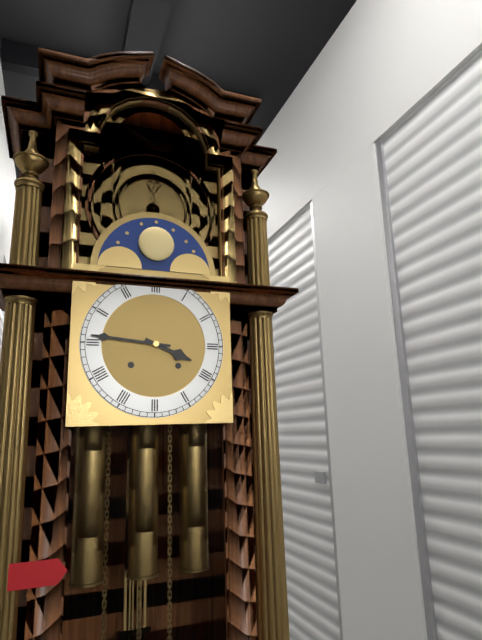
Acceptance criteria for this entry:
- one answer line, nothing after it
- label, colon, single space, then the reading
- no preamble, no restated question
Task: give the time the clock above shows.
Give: 3:46
